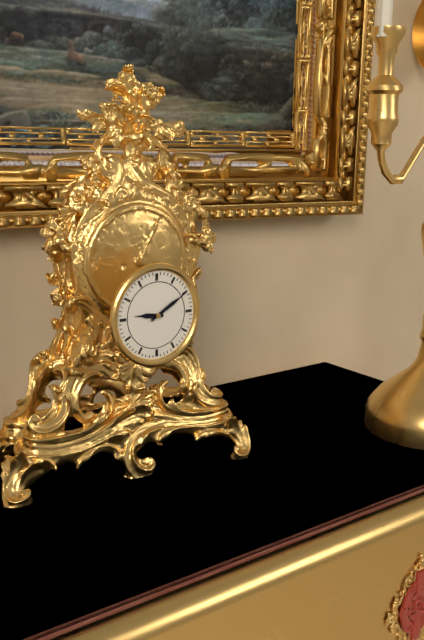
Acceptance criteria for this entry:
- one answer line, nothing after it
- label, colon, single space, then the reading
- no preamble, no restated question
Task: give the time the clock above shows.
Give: 9:10
